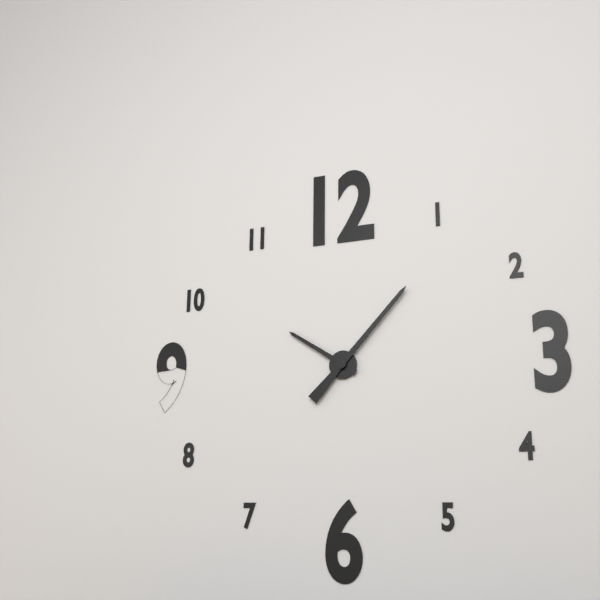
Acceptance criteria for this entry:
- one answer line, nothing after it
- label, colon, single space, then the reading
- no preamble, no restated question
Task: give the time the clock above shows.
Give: 10:07
